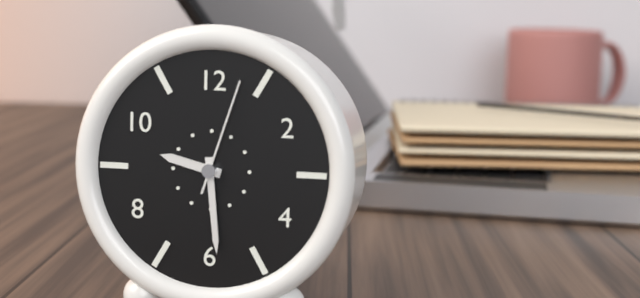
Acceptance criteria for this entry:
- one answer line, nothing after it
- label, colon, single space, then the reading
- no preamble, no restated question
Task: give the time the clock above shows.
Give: 9:29:03
